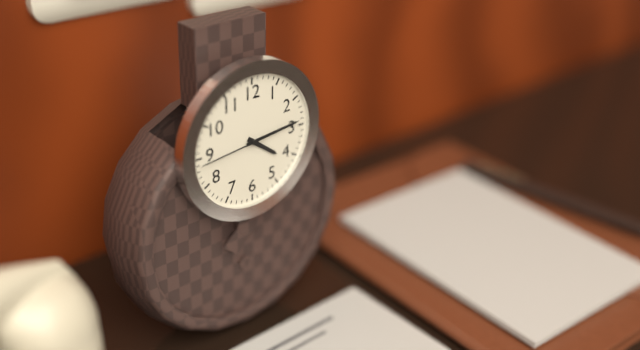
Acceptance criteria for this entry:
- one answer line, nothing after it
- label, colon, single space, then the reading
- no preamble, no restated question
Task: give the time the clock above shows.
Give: 4:14:44
